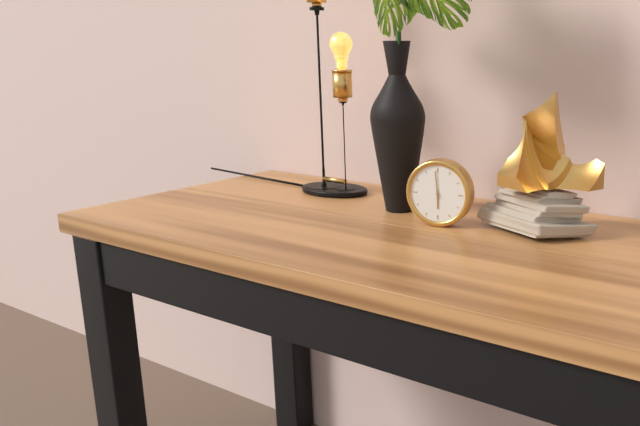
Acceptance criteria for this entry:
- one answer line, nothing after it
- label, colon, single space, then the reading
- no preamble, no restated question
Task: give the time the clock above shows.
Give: 5:59
